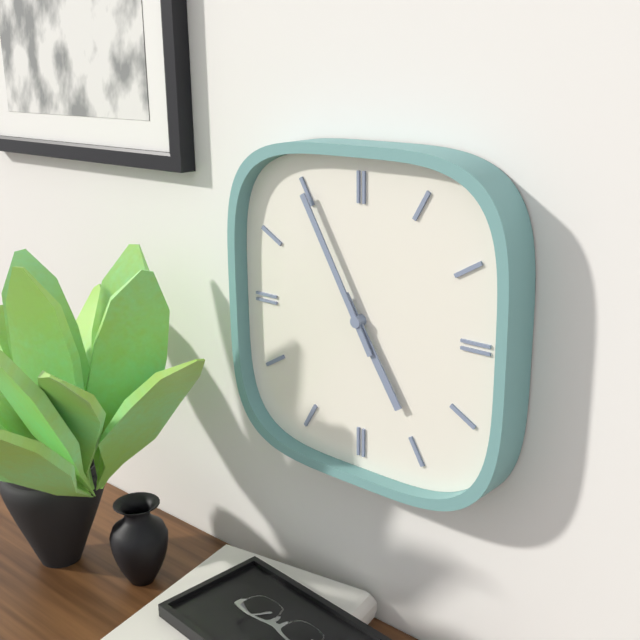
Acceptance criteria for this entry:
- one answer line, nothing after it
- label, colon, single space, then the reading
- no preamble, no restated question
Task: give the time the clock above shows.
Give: 4:55
